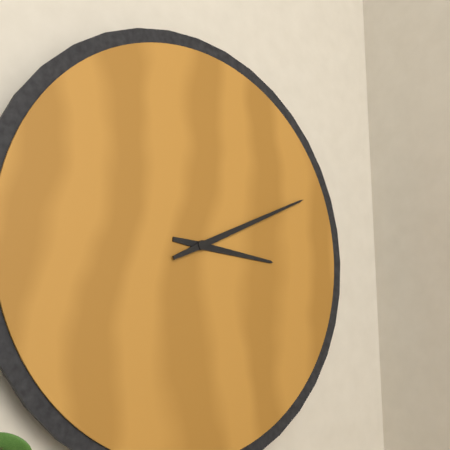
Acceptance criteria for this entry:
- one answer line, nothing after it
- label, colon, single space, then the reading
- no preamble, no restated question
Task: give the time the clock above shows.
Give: 3:11
